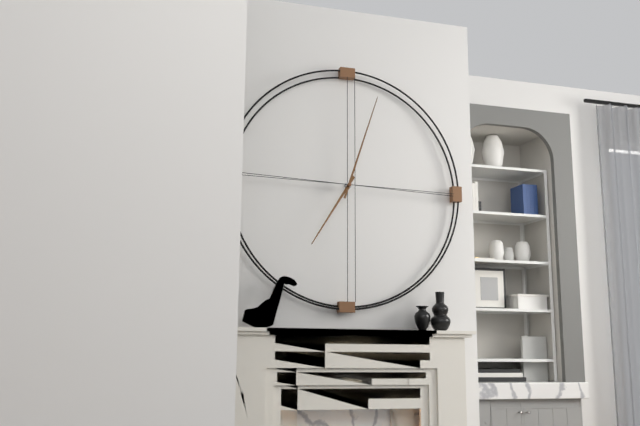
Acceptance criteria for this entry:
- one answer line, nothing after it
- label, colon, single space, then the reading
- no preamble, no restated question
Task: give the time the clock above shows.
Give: 7:03
